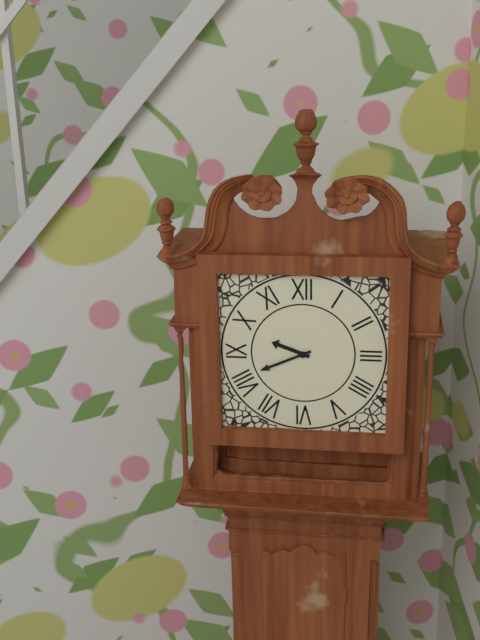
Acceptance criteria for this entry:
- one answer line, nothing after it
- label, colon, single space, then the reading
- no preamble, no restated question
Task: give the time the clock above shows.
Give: 9:41
